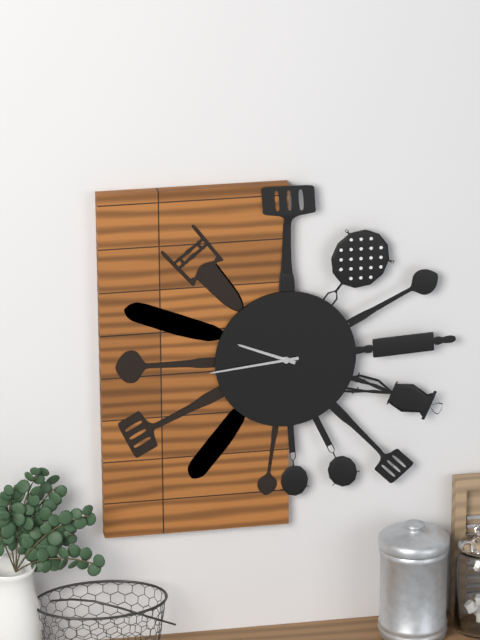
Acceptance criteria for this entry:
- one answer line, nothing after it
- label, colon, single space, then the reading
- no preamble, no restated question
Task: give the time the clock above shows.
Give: 9:44
